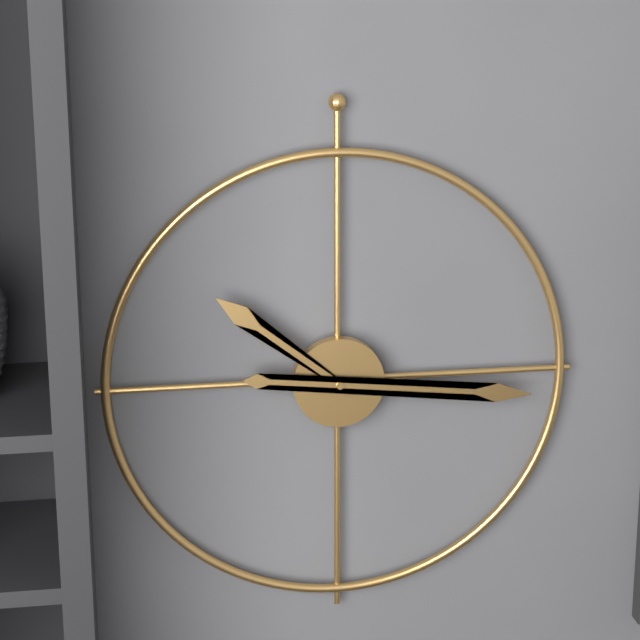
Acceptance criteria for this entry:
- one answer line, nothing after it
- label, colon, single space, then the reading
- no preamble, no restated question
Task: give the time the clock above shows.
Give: 10:16
